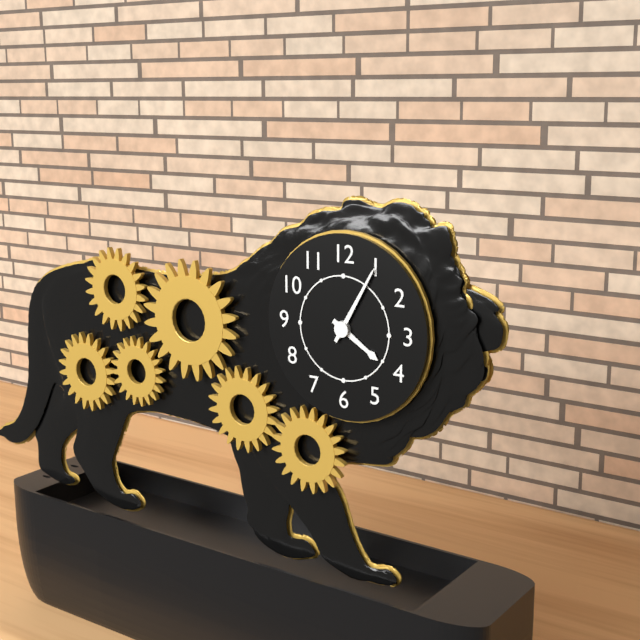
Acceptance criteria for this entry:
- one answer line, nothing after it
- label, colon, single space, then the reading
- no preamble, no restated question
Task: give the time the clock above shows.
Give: 4:05
